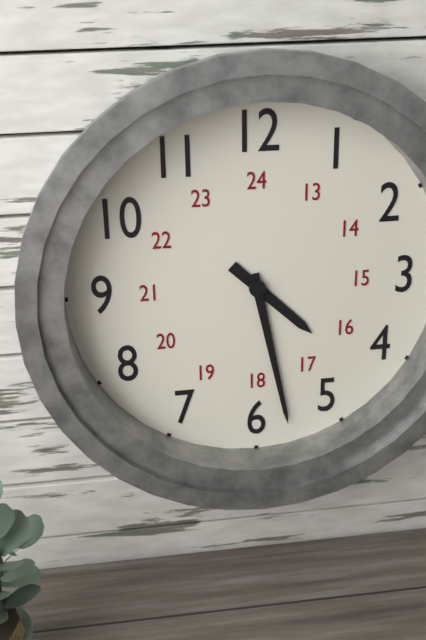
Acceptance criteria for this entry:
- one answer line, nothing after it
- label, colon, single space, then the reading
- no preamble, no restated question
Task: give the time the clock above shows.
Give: 4:28
